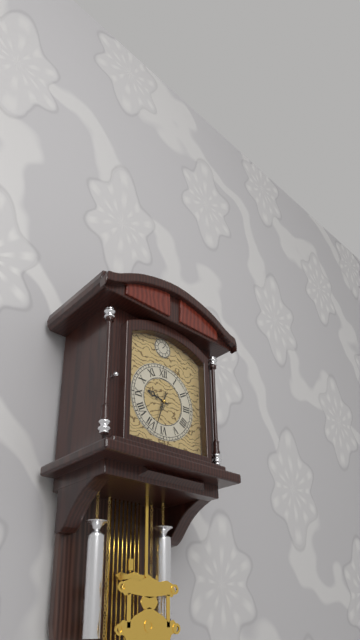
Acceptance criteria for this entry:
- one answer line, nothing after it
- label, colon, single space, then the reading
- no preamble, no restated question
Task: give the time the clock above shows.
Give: 9:33
